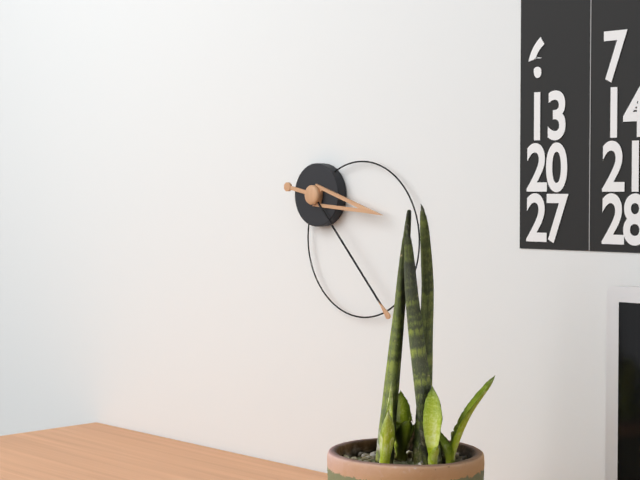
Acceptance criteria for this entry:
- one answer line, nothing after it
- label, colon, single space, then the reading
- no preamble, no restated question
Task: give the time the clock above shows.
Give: 3:23
